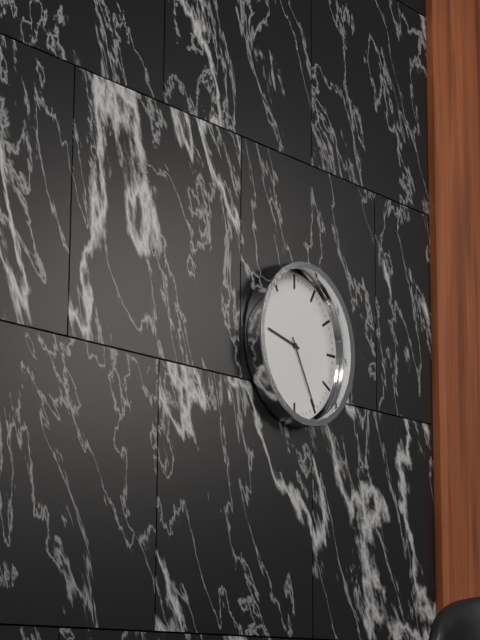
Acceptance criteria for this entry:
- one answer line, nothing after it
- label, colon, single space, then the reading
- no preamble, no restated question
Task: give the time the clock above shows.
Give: 9:25
